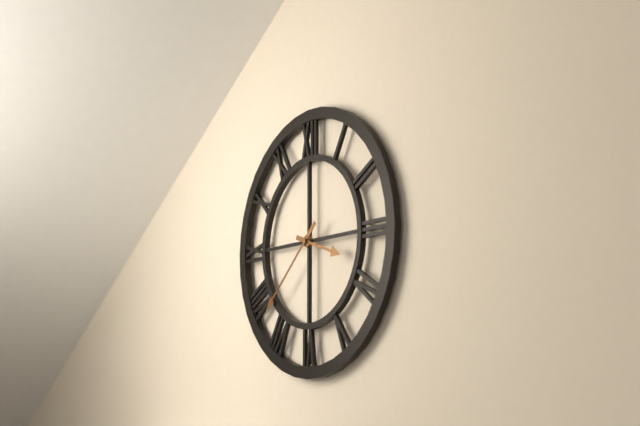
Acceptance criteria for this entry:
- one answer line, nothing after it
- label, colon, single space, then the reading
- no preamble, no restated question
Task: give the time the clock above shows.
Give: 3:38
